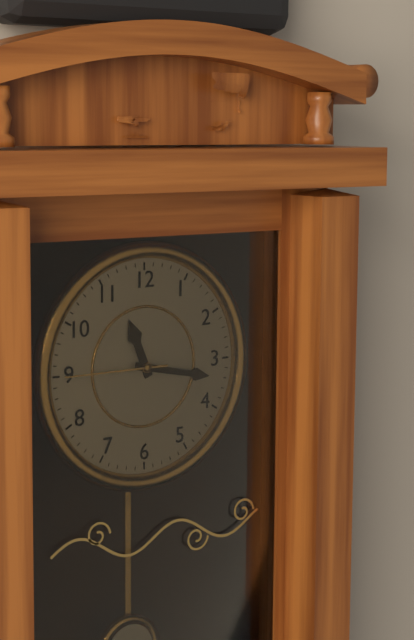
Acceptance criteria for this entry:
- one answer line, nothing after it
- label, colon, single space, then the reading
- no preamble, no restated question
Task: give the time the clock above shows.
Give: 11:17:45
